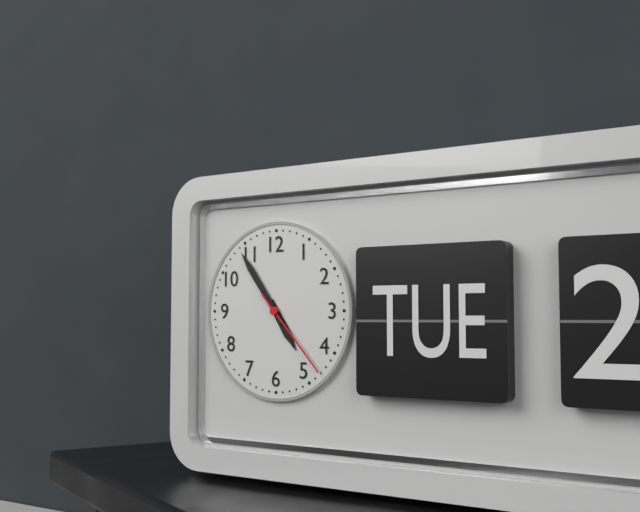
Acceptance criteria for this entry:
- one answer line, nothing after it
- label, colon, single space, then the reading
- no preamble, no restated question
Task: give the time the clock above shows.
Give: 4:54:23
